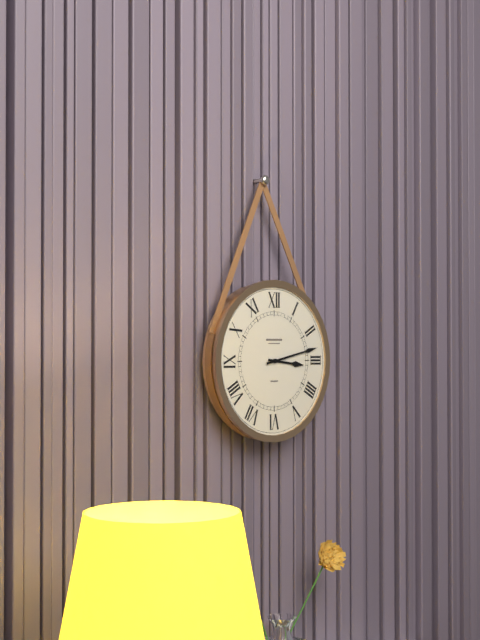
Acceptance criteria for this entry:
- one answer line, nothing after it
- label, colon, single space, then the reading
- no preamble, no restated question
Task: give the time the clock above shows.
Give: 3:13
